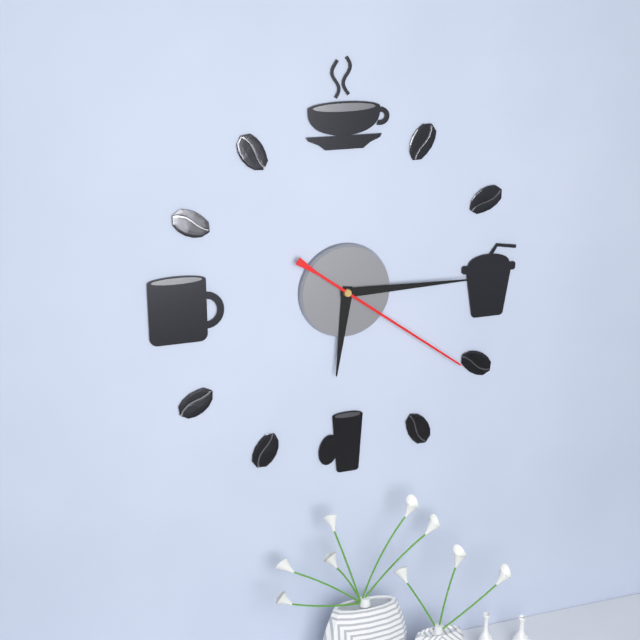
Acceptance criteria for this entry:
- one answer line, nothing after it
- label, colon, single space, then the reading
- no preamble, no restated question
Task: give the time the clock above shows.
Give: 6:15:21
